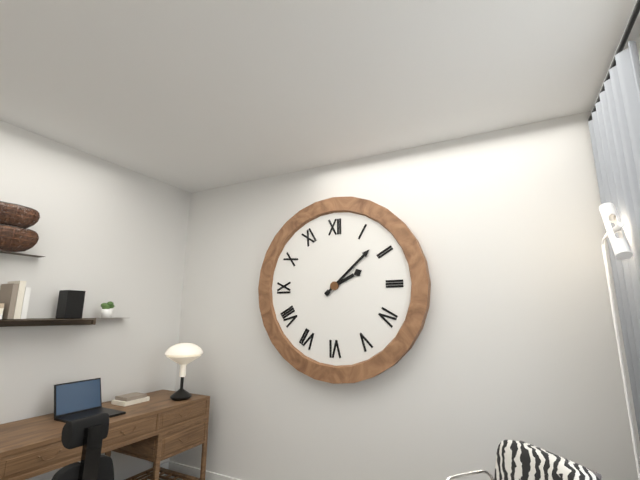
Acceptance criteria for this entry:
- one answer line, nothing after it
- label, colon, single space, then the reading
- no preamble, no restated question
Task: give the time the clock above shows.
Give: 2:08
